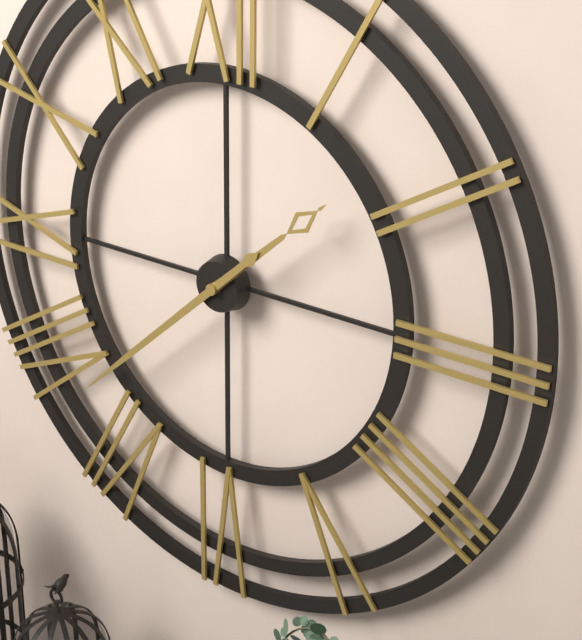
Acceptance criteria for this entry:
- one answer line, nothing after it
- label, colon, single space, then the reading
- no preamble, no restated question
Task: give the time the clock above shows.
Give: 1:38
